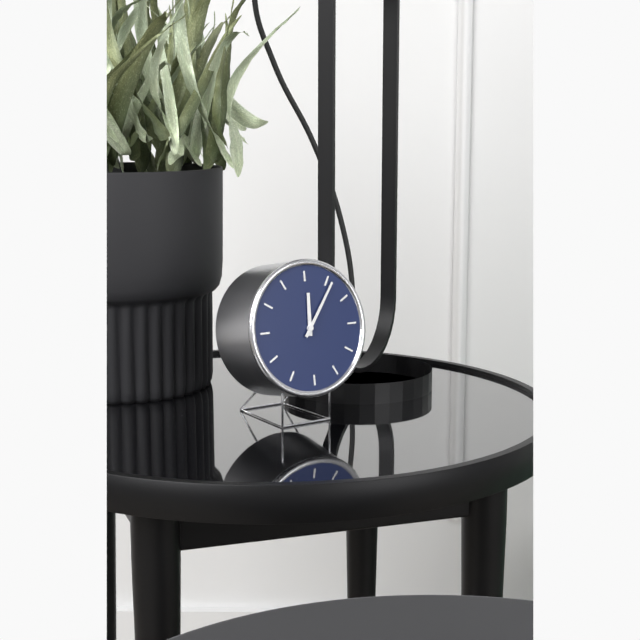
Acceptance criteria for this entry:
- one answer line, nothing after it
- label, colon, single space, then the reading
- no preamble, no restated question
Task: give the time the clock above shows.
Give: 12:06
